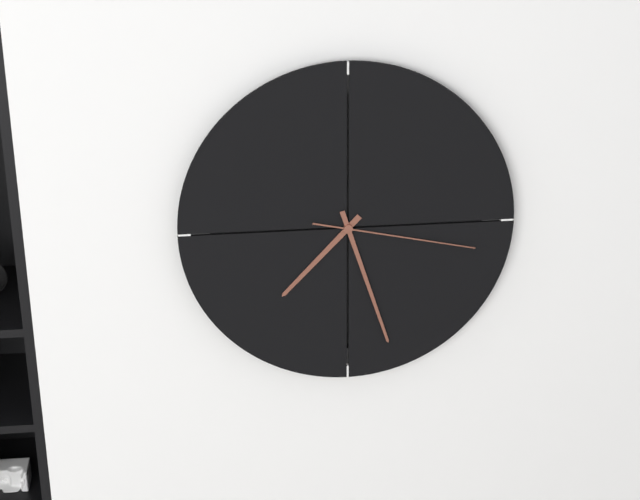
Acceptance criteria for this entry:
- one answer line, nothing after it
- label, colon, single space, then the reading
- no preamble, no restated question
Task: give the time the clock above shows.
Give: 7:27:17
